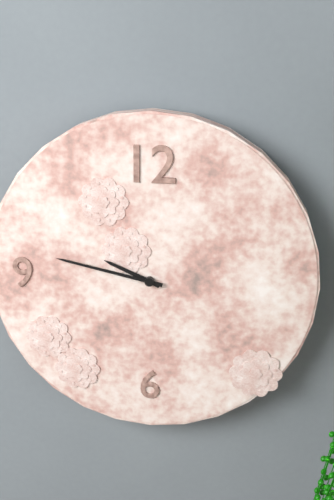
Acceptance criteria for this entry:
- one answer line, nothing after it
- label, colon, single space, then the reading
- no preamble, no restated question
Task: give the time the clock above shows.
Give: 9:47
